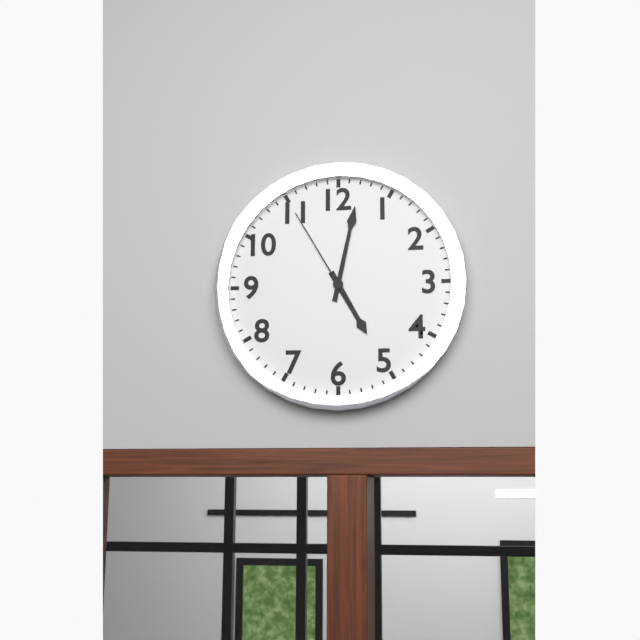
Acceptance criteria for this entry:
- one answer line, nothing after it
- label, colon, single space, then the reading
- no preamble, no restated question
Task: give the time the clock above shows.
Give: 5:02:55
